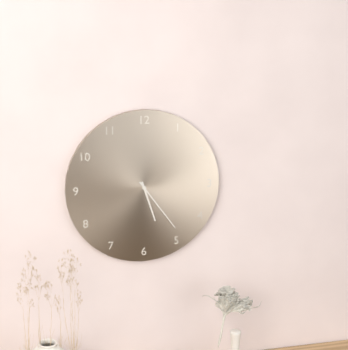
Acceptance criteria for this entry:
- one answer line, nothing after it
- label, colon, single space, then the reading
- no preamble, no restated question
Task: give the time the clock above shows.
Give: 5:24
